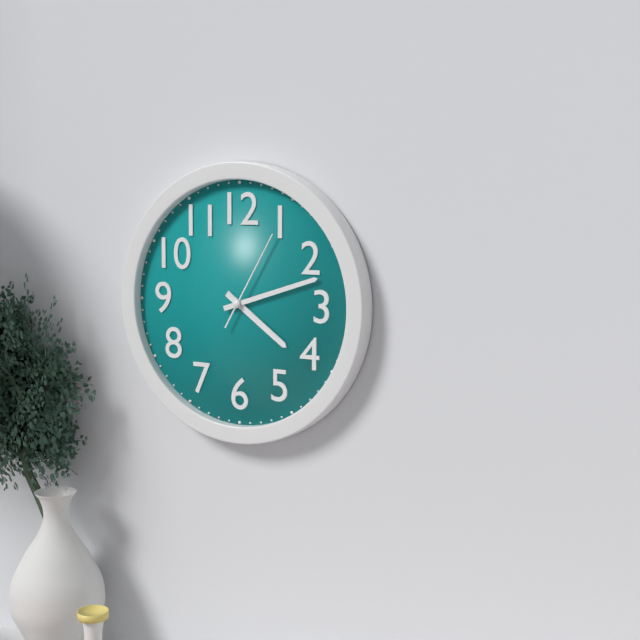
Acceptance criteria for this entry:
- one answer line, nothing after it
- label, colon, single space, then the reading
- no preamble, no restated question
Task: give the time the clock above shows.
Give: 4:12:05
